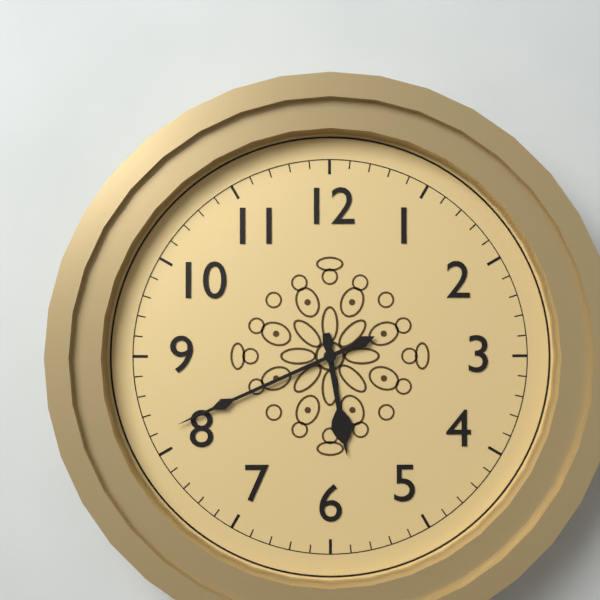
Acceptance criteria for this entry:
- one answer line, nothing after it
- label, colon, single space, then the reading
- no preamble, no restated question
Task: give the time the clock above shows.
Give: 5:41
